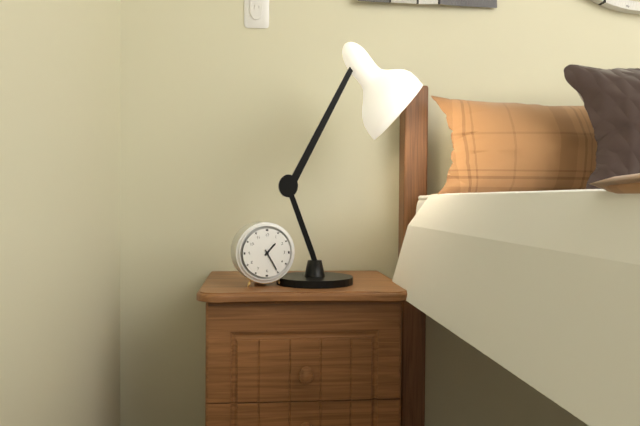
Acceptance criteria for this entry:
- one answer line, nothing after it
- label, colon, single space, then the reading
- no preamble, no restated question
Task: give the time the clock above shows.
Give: 1:25
